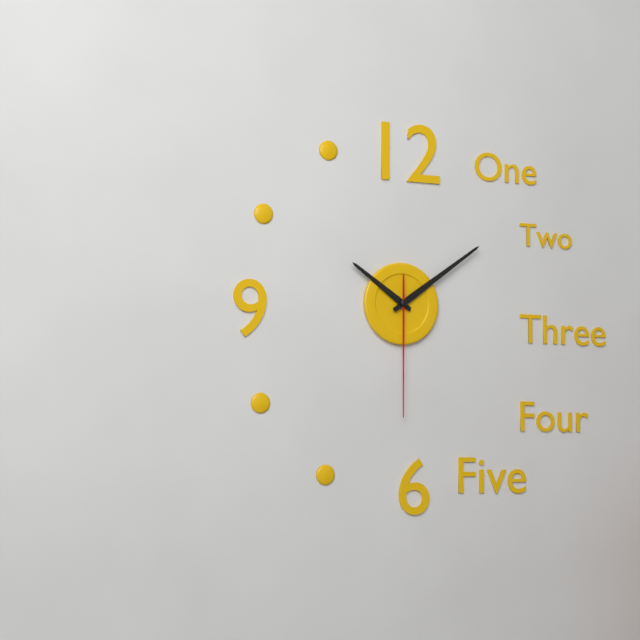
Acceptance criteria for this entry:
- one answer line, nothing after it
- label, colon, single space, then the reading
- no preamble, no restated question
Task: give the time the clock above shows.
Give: 10:09:30
